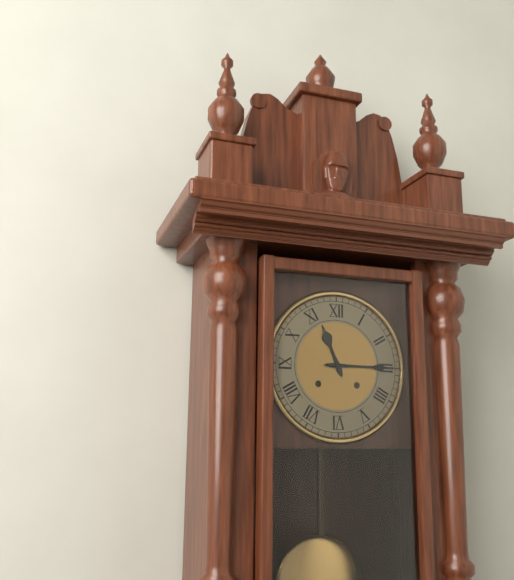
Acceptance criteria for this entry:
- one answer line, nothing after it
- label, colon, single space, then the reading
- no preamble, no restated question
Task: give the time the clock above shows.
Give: 11:15
